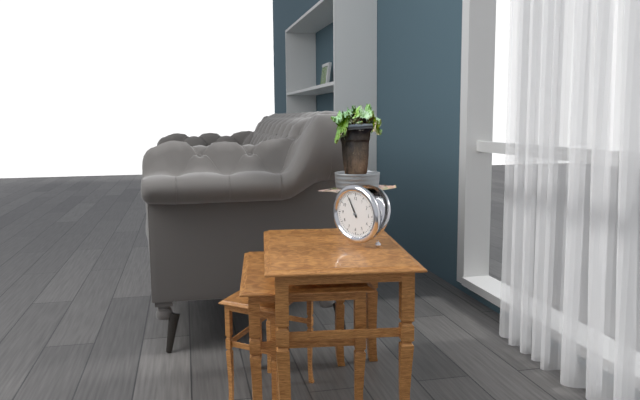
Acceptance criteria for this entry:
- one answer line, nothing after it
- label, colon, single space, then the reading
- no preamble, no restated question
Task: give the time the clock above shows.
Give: 10:55
